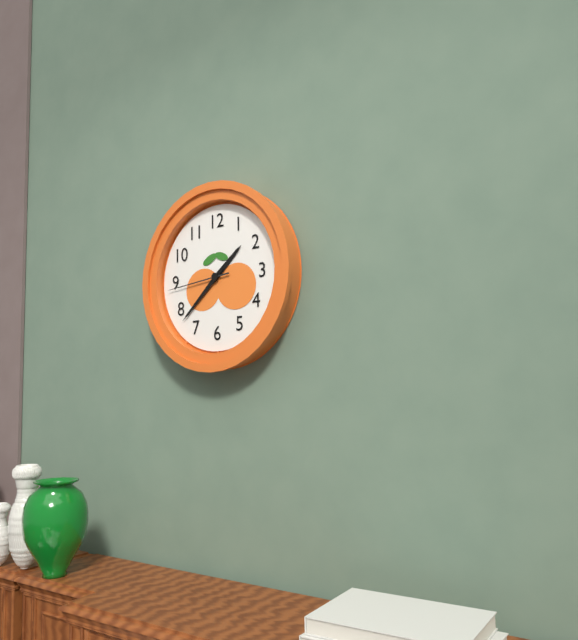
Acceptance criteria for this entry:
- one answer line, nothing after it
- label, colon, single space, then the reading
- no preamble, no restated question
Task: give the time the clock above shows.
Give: 1:38:44
